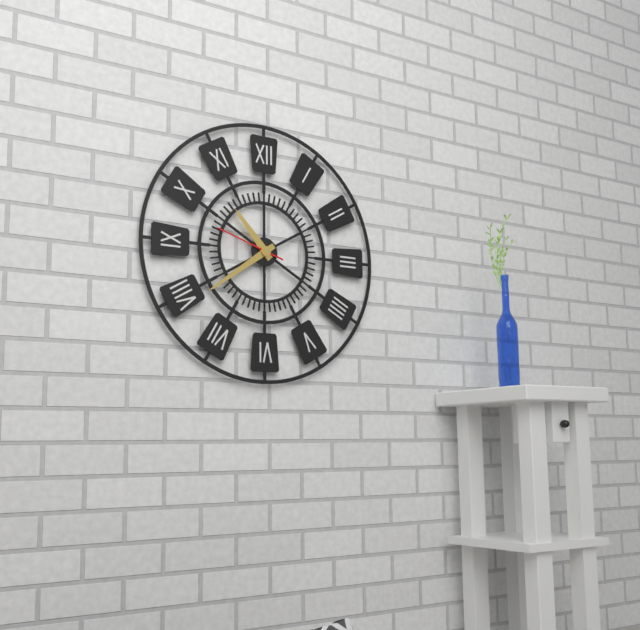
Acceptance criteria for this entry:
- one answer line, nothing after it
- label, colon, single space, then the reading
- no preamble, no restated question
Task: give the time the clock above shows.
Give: 10:39:48
